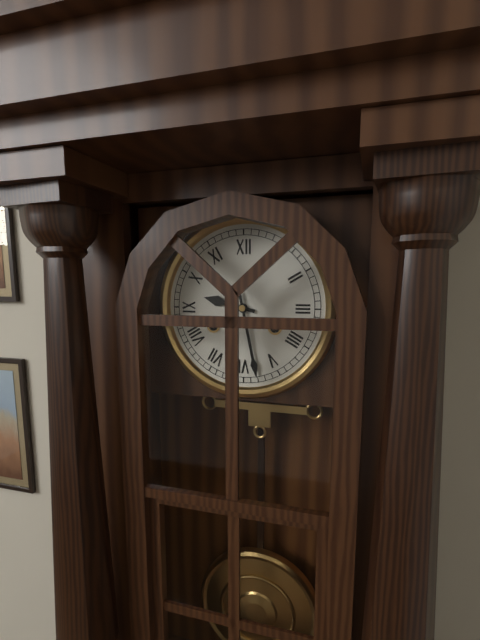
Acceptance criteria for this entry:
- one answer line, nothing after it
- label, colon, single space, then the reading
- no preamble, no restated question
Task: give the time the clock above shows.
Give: 9:28
